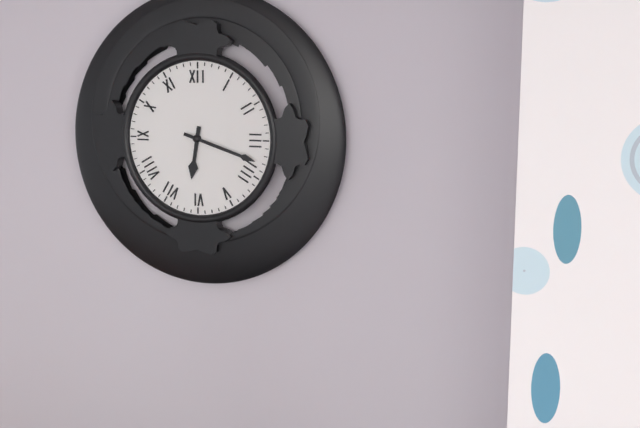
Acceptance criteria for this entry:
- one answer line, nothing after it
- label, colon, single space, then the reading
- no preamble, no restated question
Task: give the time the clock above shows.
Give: 6:18
